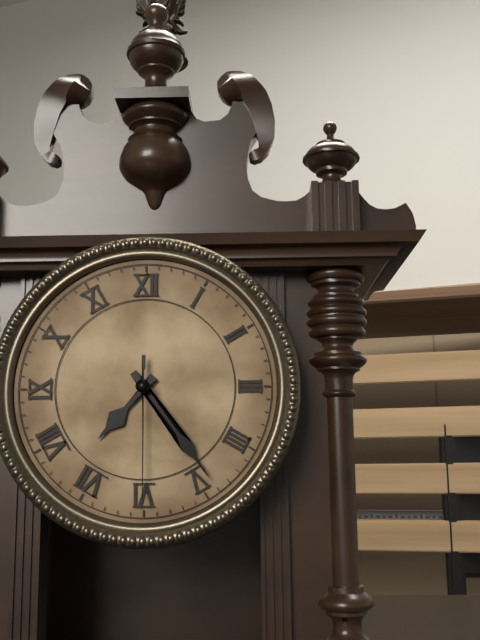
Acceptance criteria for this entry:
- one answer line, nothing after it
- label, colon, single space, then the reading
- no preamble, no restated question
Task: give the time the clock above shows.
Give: 7:24:30
